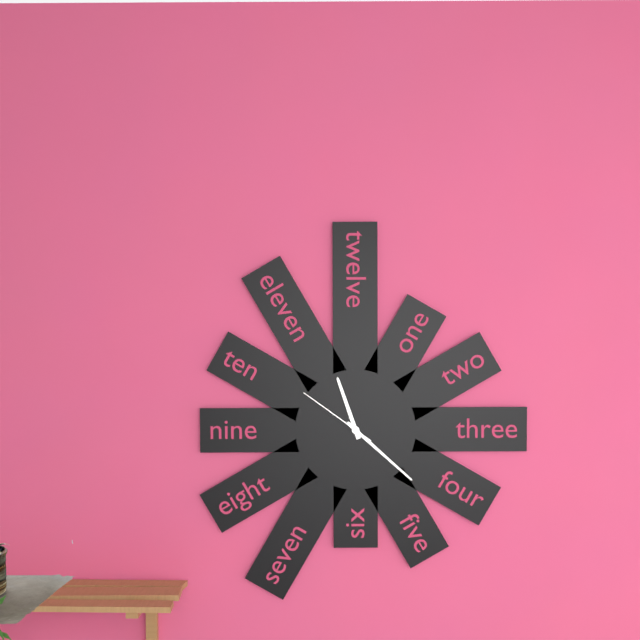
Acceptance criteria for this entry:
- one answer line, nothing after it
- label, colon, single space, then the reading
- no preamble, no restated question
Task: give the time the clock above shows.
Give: 11:22:51
